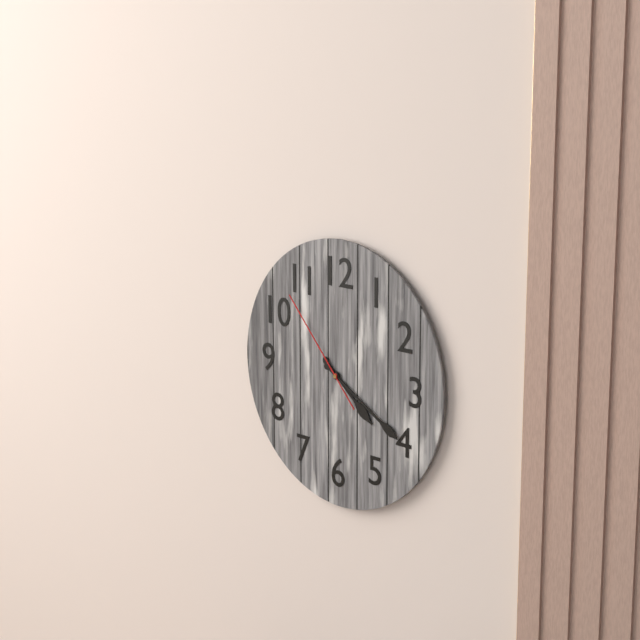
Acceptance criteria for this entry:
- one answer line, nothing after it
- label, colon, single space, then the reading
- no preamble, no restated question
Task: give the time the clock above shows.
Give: 4:20:53
